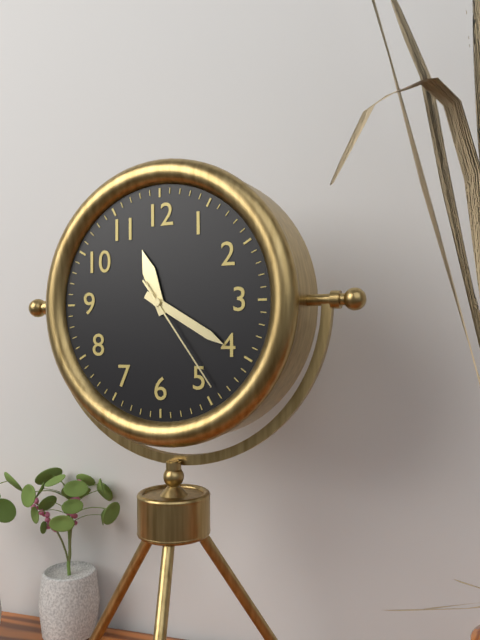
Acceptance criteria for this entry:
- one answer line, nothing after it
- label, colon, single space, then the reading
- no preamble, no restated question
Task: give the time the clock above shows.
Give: 11:20:24
